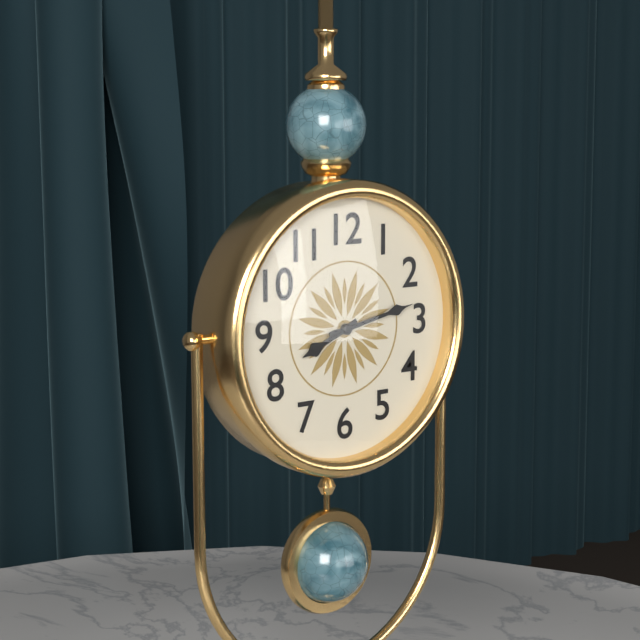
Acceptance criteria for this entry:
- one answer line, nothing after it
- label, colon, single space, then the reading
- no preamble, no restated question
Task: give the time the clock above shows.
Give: 8:13
